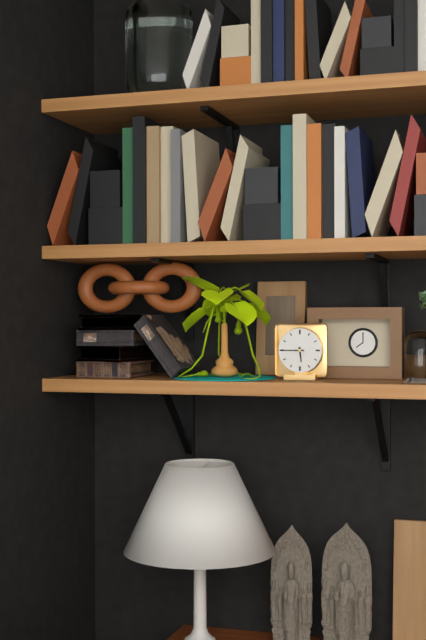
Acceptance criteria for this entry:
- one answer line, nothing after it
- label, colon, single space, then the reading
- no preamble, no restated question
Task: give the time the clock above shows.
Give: 5:45
